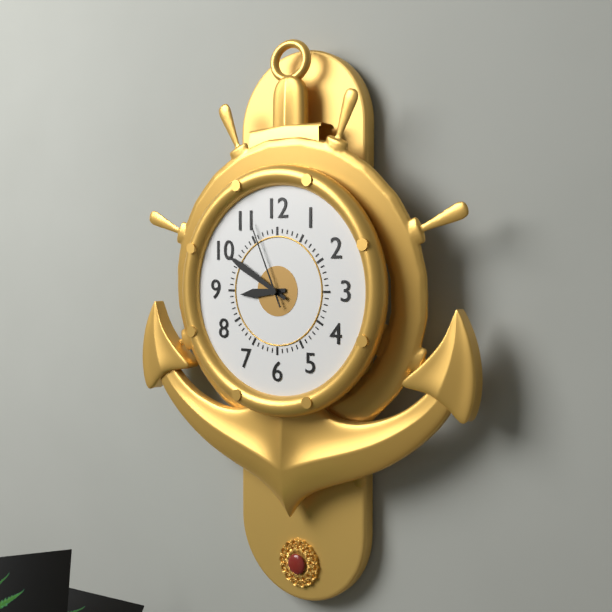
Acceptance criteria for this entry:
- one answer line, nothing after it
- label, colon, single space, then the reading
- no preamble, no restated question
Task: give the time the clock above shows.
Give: 8:50:56
